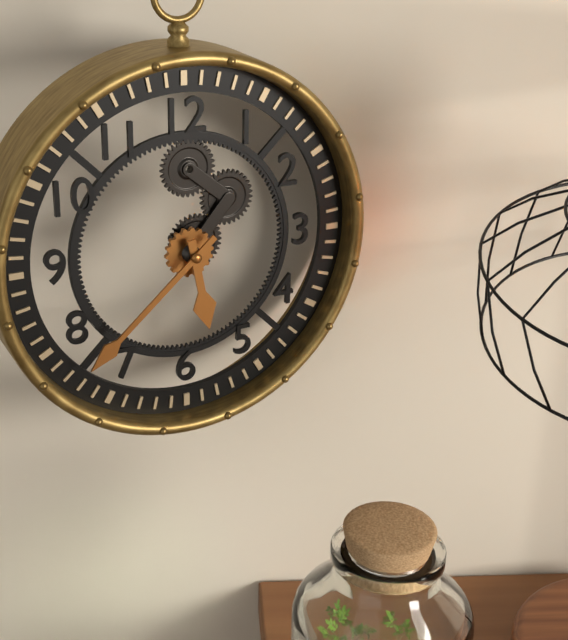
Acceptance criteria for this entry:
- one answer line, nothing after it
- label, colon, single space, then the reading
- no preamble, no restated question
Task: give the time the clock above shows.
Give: 5:38
